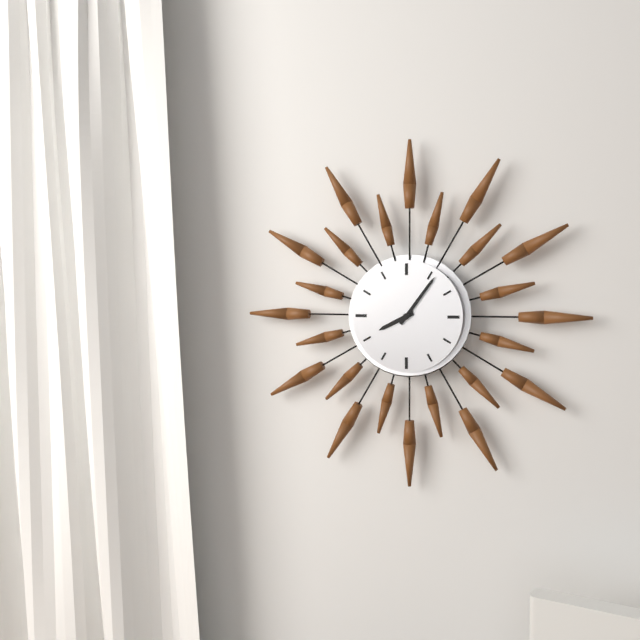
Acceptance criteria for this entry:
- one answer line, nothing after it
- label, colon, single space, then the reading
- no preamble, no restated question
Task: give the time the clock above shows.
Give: 8:06
